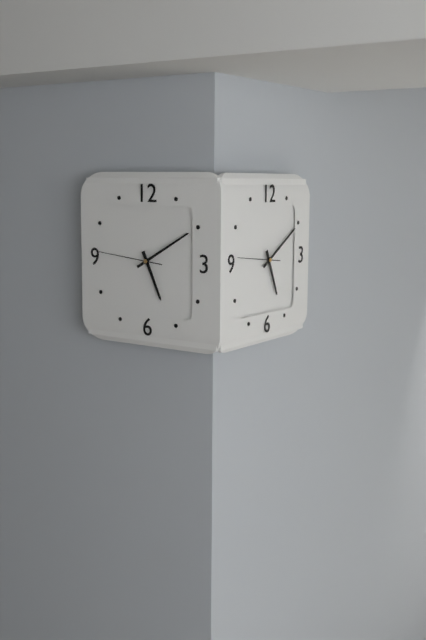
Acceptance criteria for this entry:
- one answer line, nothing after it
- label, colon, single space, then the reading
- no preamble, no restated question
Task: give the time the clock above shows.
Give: 5:10:46
